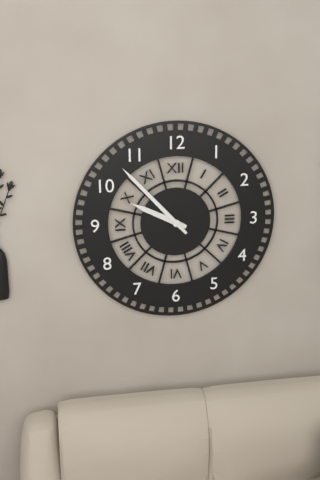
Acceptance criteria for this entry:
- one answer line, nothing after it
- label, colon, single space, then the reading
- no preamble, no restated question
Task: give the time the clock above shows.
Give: 9:53
